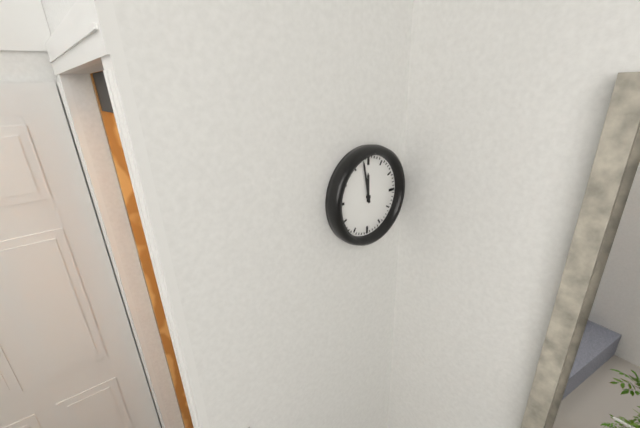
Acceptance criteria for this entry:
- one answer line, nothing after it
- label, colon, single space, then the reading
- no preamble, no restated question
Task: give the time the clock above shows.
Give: 11:58
